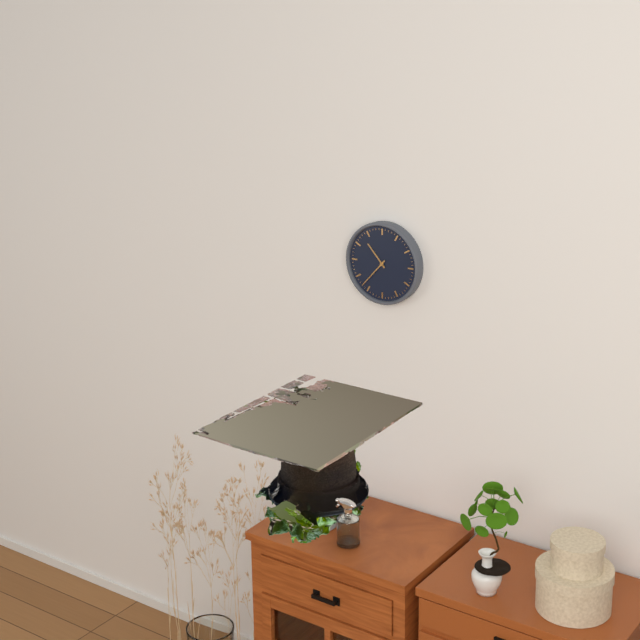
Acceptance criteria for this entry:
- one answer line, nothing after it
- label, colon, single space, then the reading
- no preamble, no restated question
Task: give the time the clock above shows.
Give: 10:37
